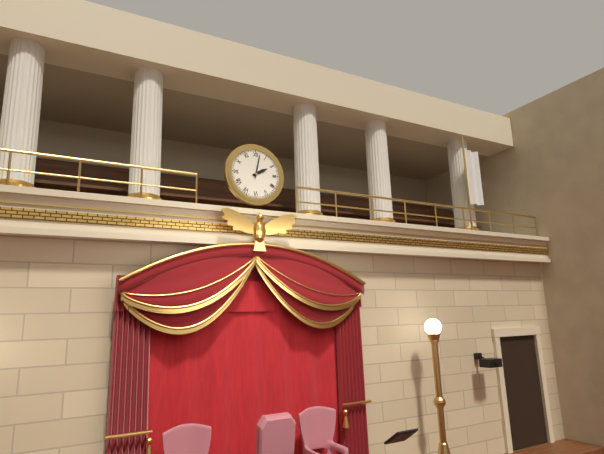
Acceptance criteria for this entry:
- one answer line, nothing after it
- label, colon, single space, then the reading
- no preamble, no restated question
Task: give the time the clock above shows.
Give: 2:02
